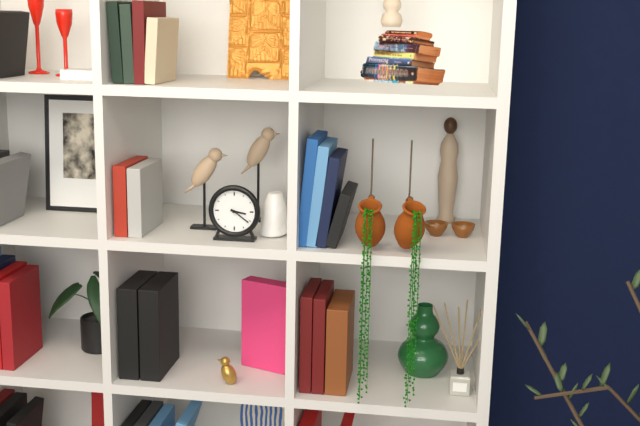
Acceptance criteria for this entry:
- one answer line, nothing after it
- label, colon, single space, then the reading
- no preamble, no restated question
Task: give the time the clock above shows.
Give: 3:21
